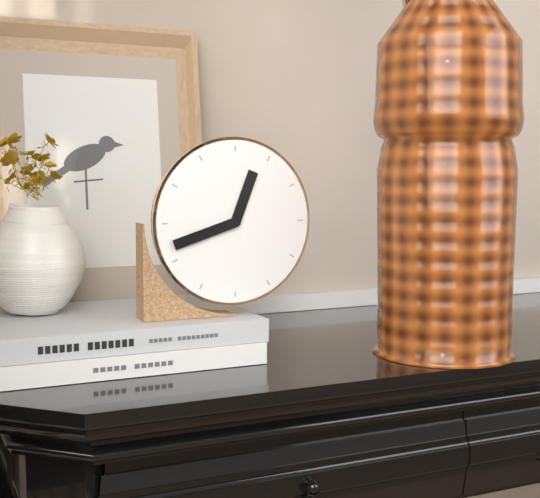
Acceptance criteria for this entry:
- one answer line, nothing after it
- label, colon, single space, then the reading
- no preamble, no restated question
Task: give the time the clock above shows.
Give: 12:42
